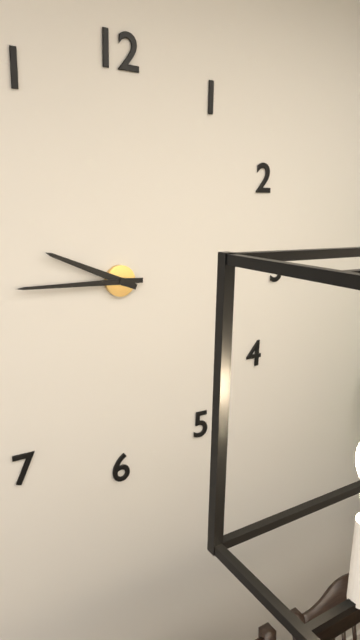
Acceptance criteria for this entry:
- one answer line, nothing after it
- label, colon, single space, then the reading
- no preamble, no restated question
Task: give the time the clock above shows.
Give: 9:45
